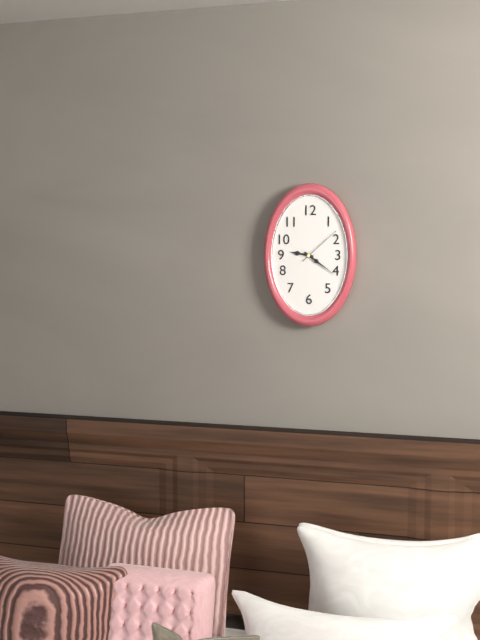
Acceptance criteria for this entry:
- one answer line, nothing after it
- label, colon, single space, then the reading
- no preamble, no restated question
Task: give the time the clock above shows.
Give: 9:21
